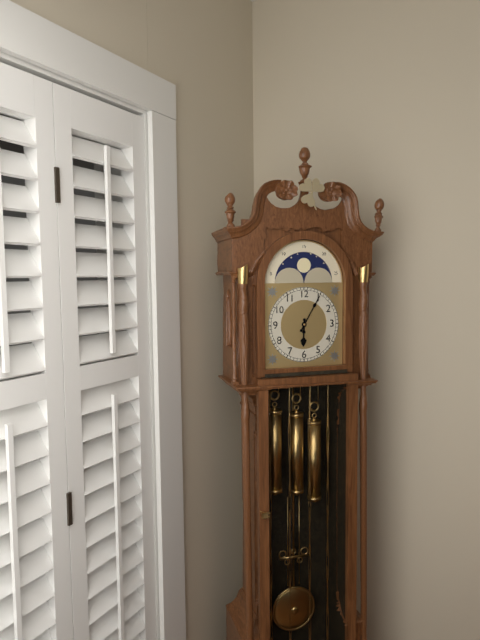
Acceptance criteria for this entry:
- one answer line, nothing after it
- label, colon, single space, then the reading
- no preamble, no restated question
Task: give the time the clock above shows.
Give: 6:05
